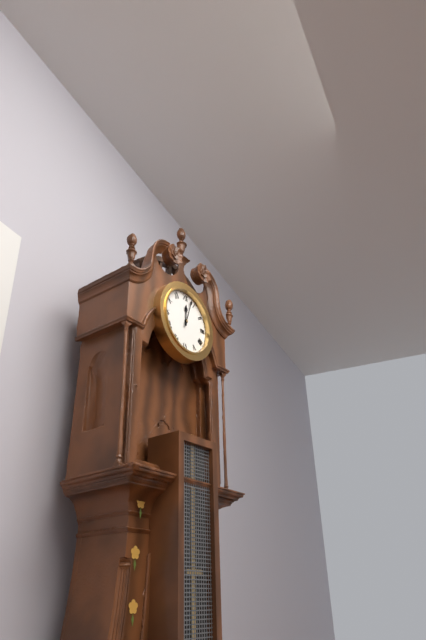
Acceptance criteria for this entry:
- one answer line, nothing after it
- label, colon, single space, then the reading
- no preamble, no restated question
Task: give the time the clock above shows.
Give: 12:03
